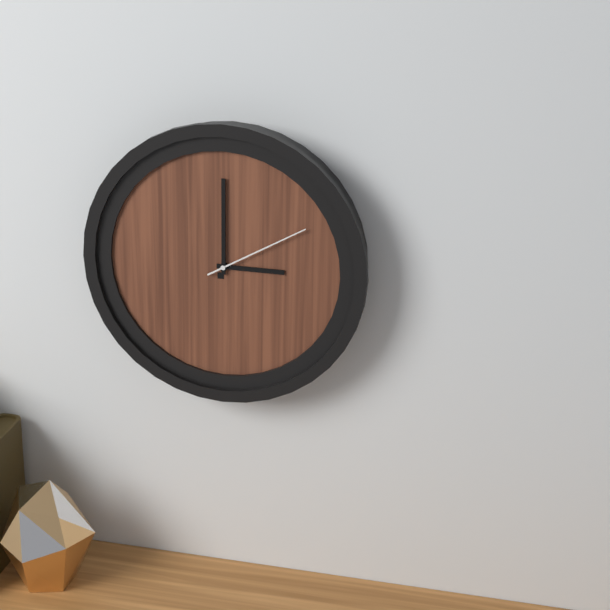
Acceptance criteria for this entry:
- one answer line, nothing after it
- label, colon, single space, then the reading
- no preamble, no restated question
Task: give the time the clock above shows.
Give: 3:00:10
